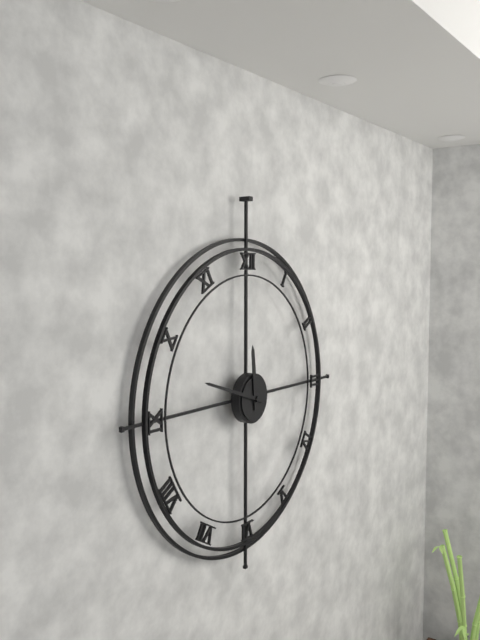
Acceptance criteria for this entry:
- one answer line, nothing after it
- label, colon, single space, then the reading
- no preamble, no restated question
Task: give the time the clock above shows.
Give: 11:48
